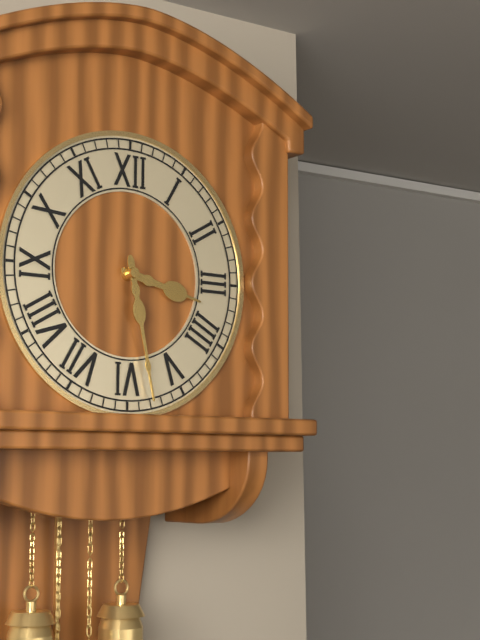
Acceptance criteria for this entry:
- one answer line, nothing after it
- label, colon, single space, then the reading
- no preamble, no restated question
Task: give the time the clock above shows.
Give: 3:28
